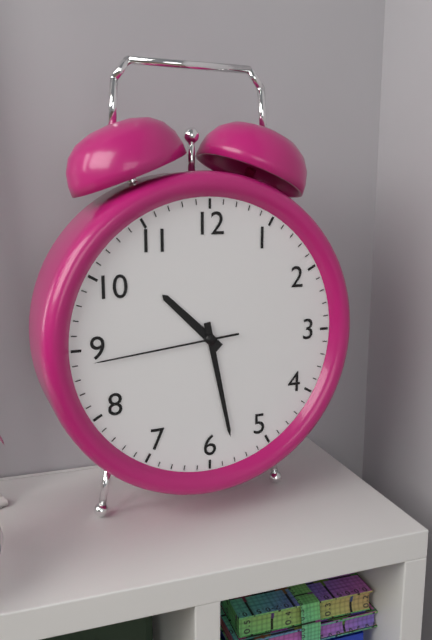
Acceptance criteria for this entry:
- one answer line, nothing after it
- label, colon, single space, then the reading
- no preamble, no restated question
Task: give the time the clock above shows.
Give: 10:28:44
